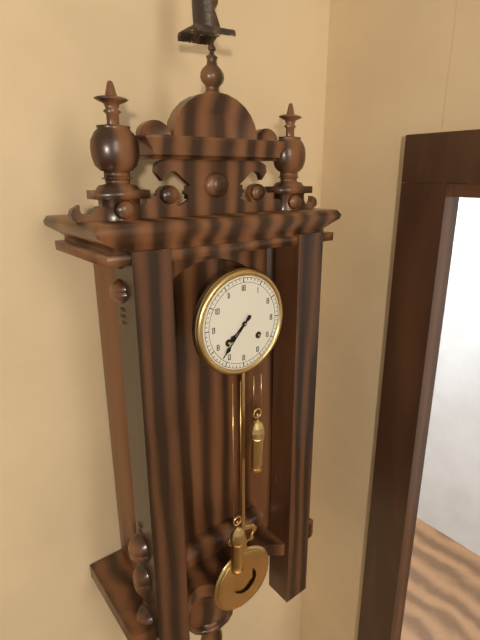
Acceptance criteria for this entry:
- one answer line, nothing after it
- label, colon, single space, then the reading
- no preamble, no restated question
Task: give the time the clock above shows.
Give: 7:37
